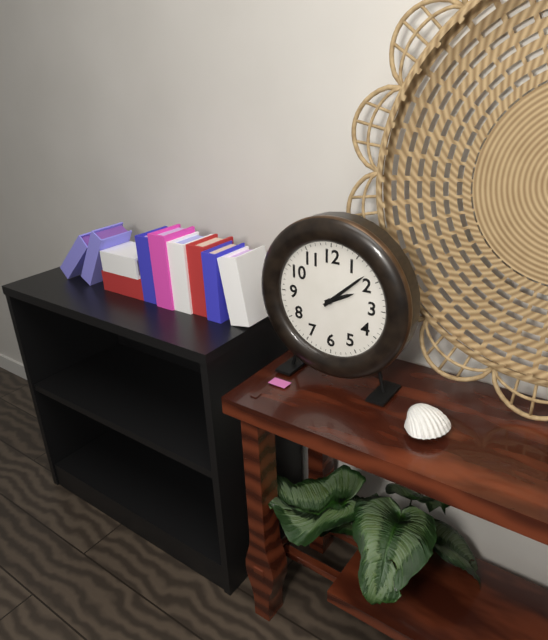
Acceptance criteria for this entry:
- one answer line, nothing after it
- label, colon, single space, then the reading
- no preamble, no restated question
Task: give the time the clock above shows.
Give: 2:08
